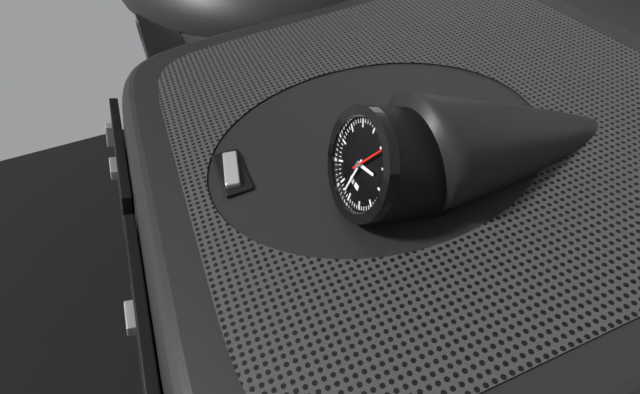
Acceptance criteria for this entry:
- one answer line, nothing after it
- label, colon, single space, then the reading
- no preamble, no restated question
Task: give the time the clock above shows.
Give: 2:32
